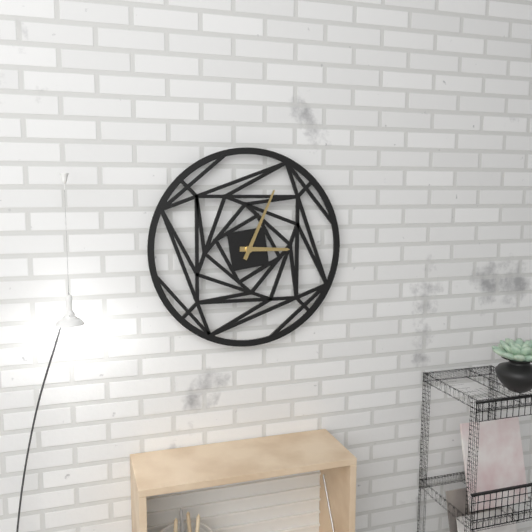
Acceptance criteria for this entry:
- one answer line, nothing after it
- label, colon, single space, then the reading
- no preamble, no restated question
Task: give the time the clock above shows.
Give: 3:04
